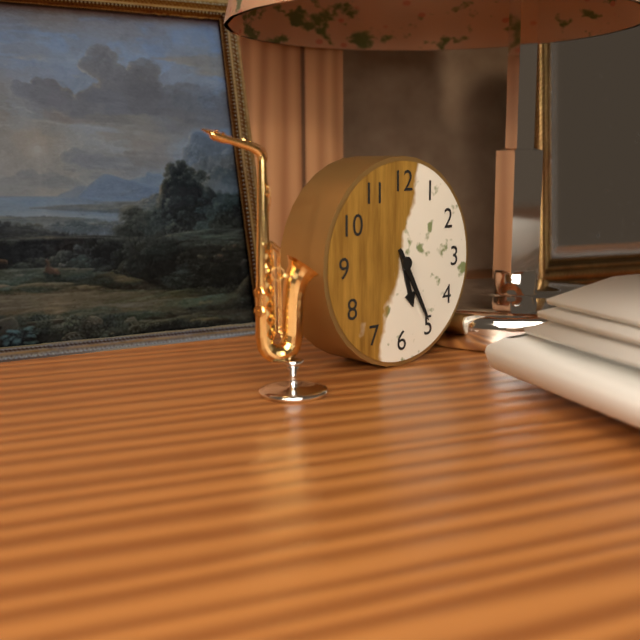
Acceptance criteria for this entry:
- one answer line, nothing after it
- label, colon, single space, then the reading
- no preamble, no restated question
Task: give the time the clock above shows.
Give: 5:25
